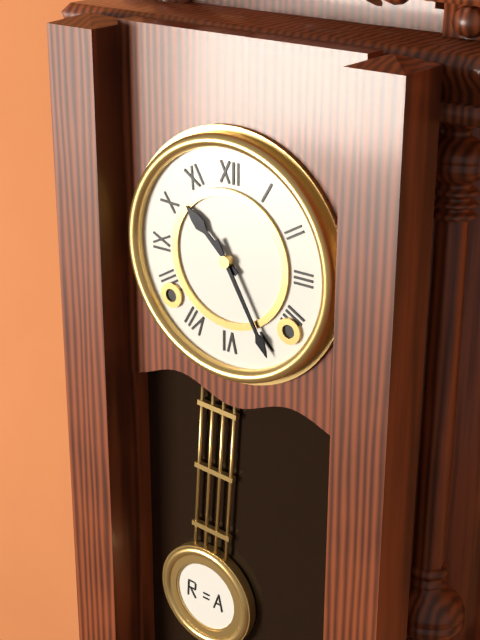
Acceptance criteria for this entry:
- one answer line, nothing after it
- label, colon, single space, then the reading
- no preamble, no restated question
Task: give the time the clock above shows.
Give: 10:25
